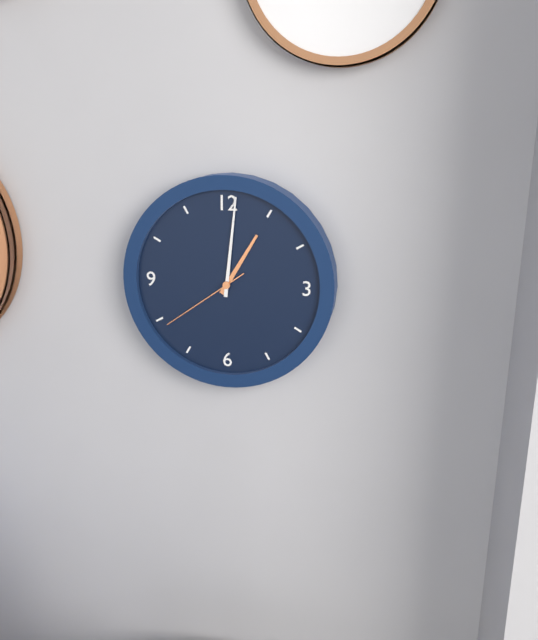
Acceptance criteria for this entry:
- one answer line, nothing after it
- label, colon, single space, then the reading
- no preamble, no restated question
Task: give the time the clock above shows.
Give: 1:01:39
